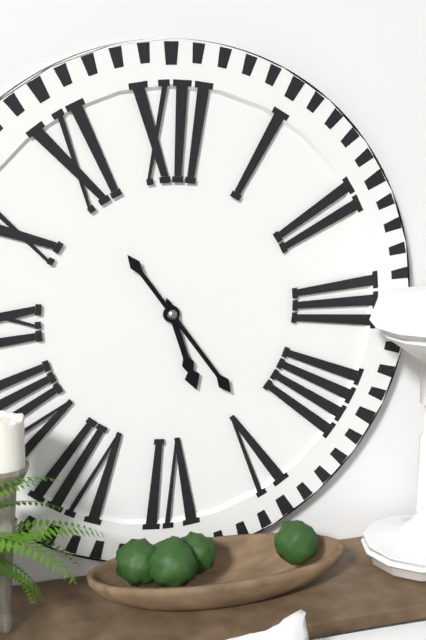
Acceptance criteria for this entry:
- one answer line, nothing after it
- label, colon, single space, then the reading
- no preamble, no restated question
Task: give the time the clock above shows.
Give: 5:24
